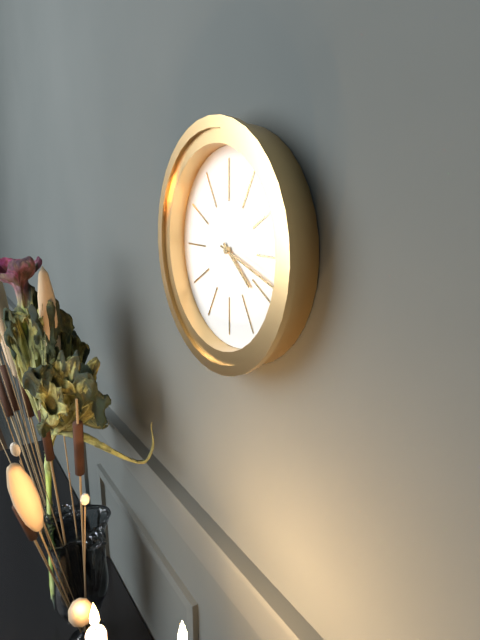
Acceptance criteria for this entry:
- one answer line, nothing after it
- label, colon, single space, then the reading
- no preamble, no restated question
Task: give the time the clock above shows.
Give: 4:18
